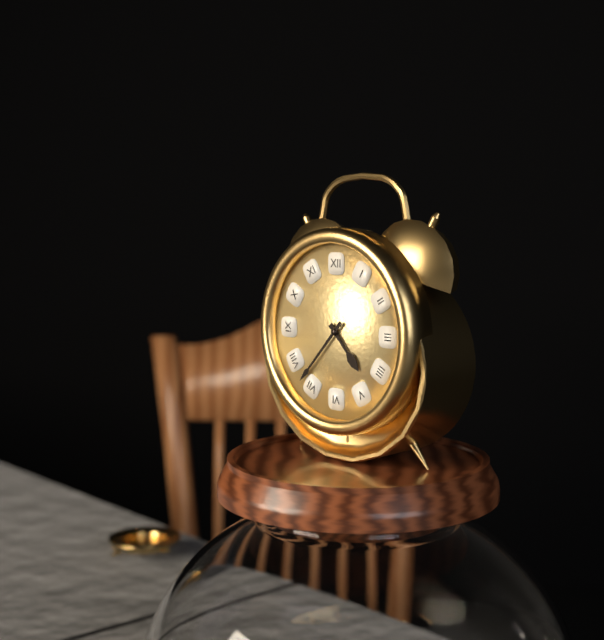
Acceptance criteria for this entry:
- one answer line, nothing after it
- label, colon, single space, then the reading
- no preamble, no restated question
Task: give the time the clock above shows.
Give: 4:37
